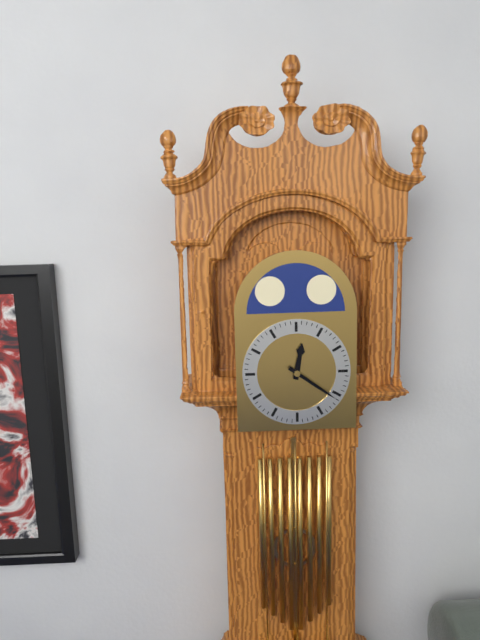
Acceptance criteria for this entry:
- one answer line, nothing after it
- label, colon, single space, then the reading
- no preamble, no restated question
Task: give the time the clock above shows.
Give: 12:21
